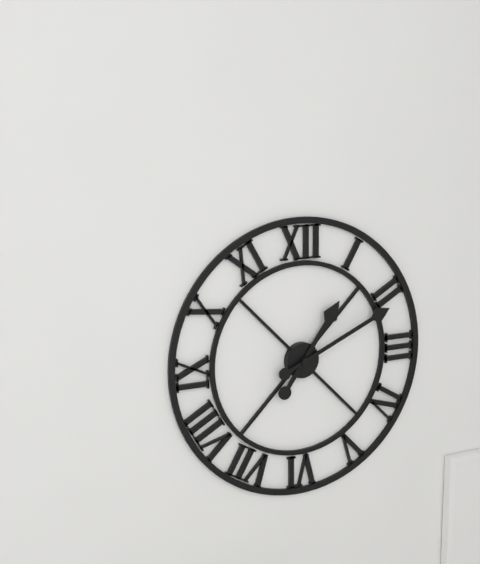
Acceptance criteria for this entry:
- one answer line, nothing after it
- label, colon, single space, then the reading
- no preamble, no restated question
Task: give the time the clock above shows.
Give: 1:11
